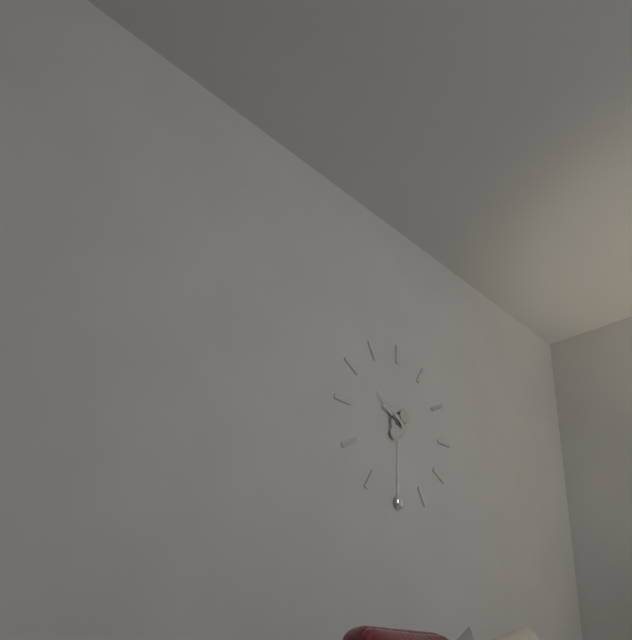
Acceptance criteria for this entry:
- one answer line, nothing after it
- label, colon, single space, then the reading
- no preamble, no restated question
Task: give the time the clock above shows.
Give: 9:51
